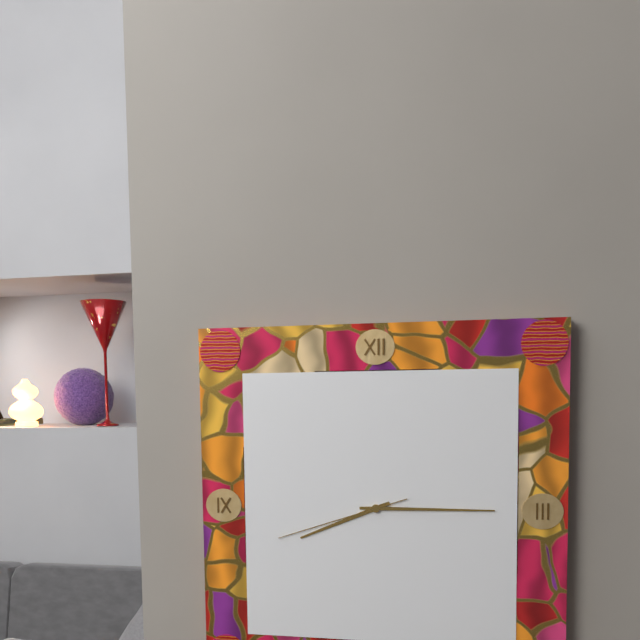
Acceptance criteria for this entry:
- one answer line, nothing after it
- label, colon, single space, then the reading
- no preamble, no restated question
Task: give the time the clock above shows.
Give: 8:15:42
